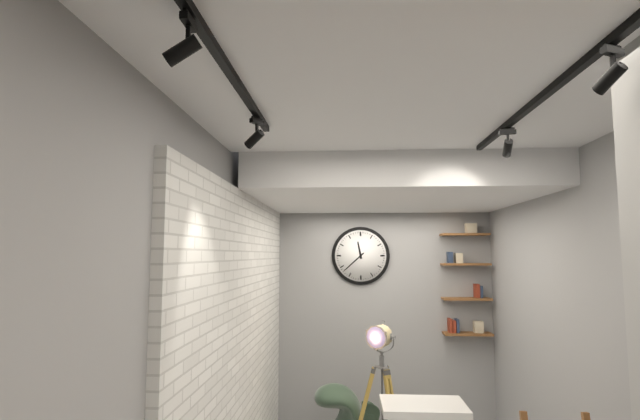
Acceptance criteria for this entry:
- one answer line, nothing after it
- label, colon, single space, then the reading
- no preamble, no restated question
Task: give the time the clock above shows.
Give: 11:38
